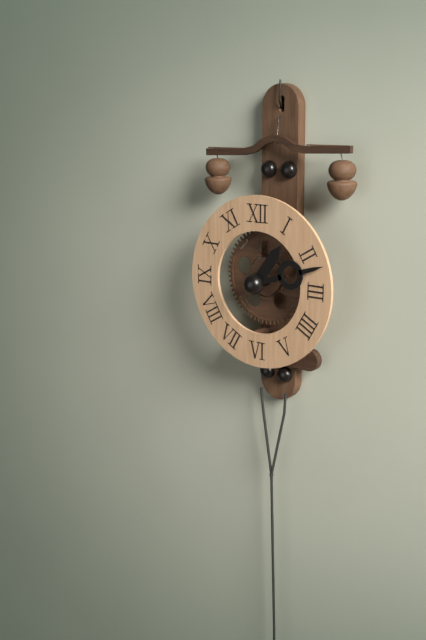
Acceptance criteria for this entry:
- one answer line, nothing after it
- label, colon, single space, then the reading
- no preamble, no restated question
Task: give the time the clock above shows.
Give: 1:12
